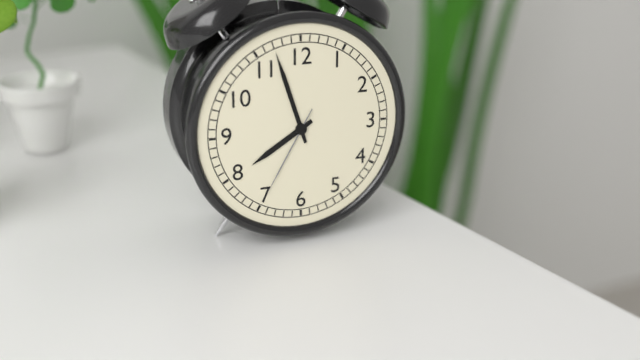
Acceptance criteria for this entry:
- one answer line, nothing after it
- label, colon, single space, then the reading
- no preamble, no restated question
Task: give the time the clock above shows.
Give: 7:57:35
